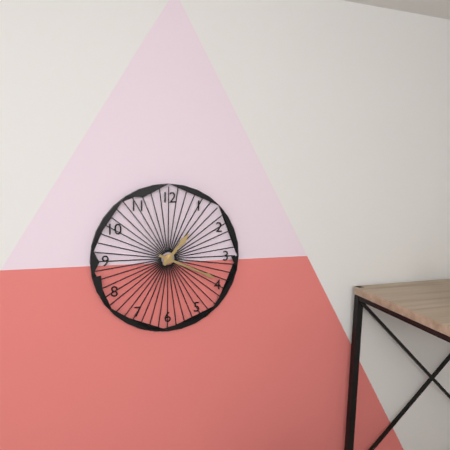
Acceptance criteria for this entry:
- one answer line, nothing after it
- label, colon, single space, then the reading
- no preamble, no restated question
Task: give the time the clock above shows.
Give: 1:19
